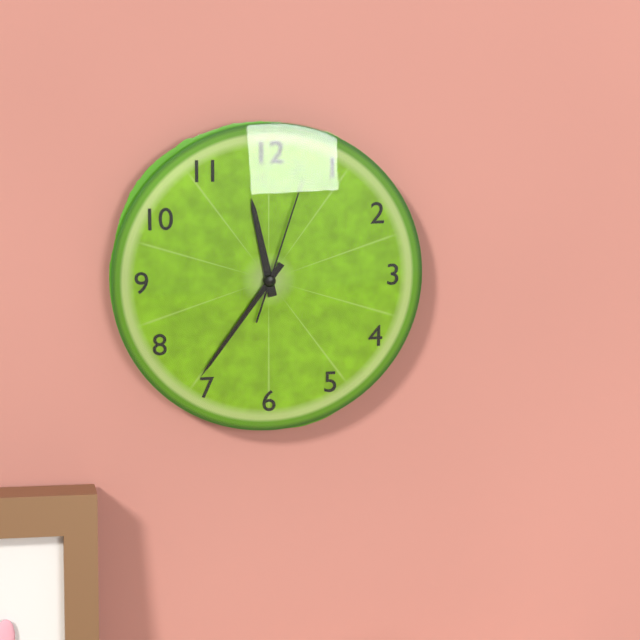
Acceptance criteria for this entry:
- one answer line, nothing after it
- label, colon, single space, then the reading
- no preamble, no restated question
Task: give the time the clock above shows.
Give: 11:36:03
